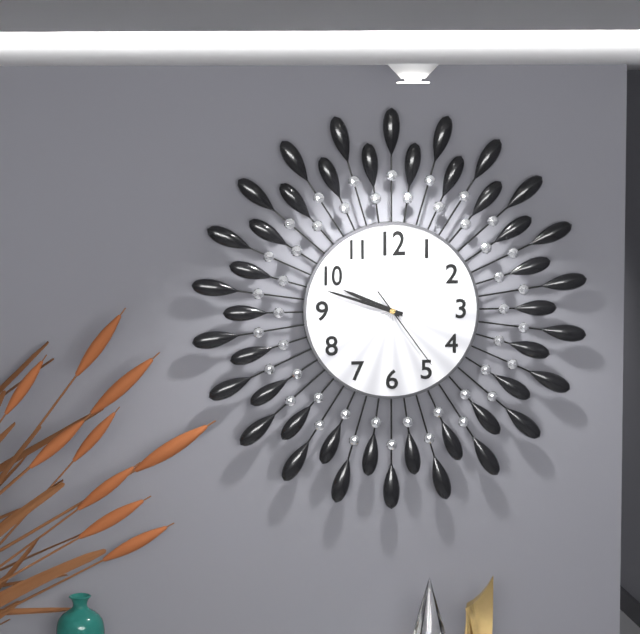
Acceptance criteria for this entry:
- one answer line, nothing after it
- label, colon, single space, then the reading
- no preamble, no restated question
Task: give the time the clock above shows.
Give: 9:48:24
